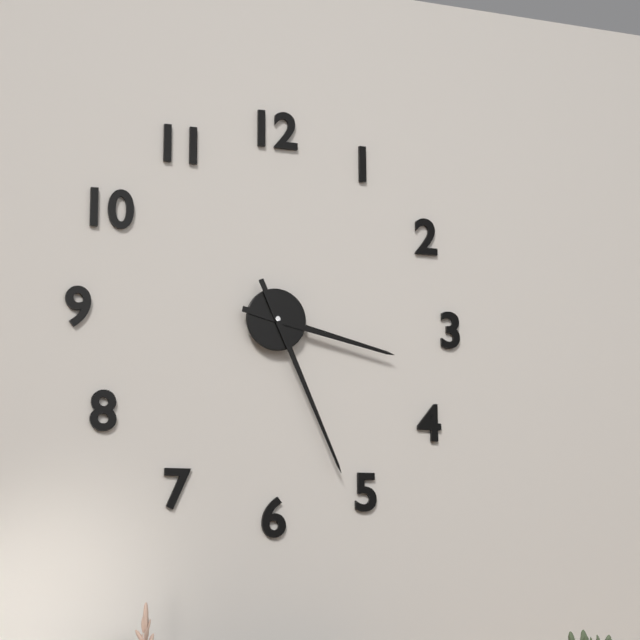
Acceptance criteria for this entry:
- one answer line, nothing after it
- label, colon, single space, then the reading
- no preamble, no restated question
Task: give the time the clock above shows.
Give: 3:26
